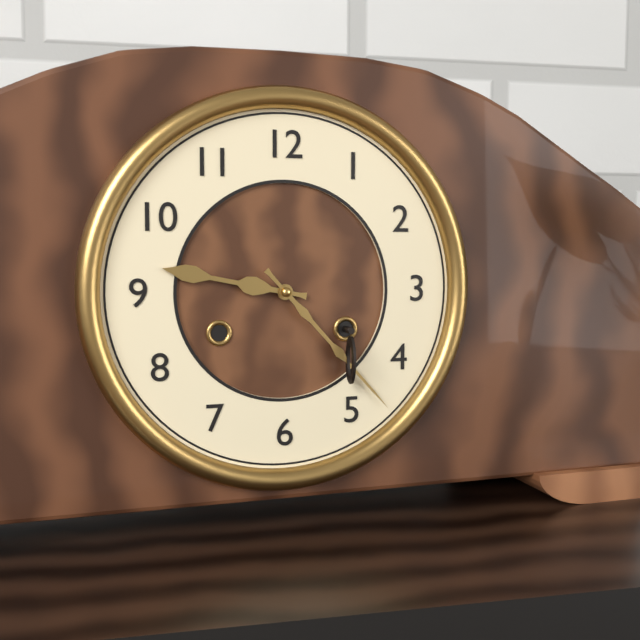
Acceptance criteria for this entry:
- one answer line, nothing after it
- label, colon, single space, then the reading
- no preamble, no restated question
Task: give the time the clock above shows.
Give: 9:23
